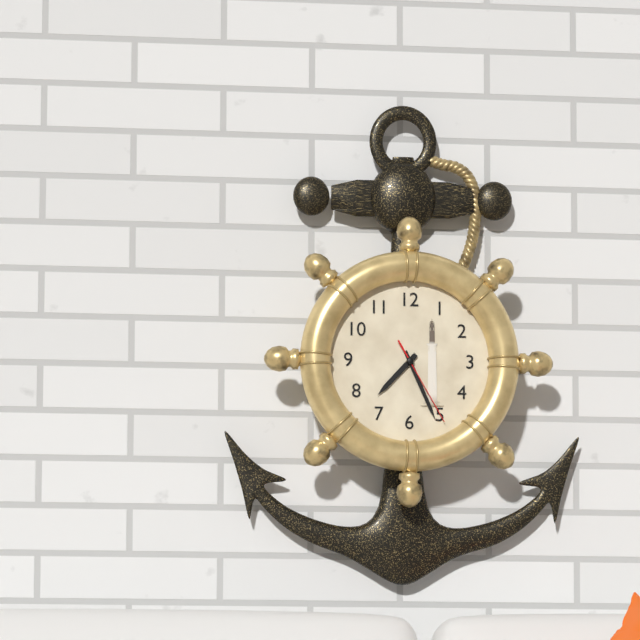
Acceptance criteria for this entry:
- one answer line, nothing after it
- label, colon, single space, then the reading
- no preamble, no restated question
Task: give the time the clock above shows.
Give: 7:26:25
